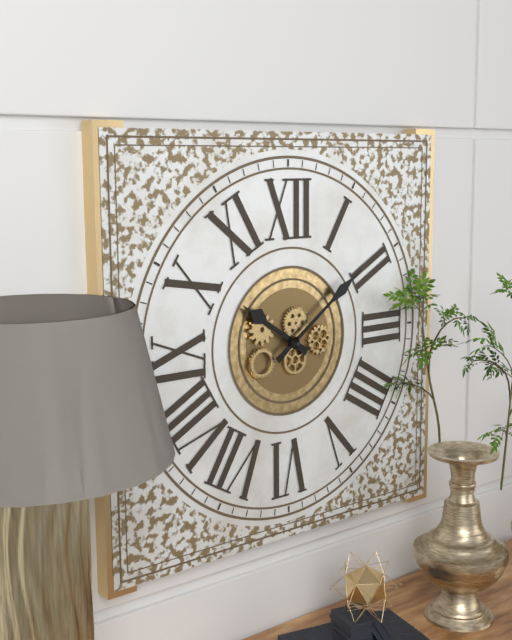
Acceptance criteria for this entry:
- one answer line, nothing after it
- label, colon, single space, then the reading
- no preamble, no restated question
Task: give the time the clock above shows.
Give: 10:09
